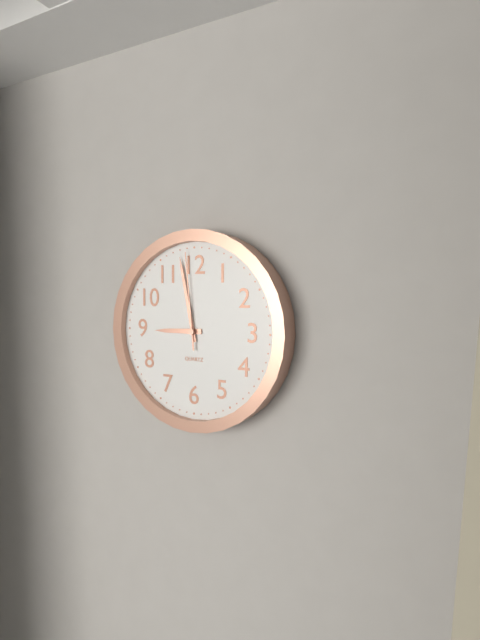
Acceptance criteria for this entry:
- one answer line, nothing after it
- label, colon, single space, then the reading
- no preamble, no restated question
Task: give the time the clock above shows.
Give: 8:58:59
